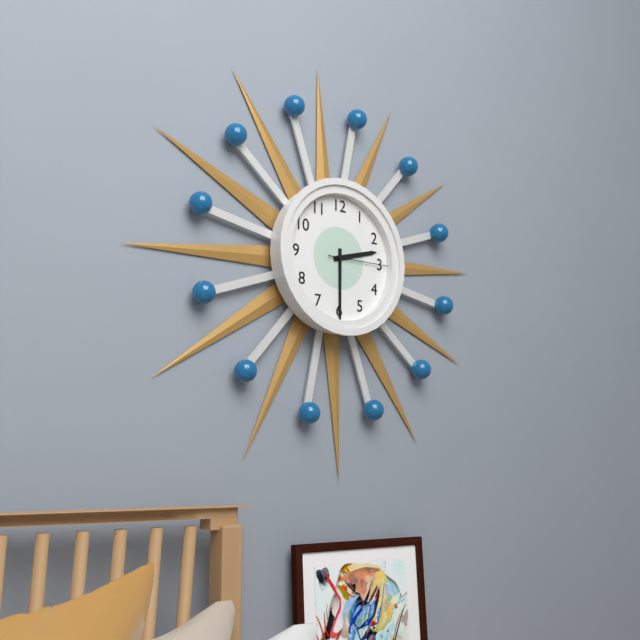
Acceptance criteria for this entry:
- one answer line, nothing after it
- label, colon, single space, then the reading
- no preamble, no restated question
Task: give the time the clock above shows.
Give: 2:30:15
